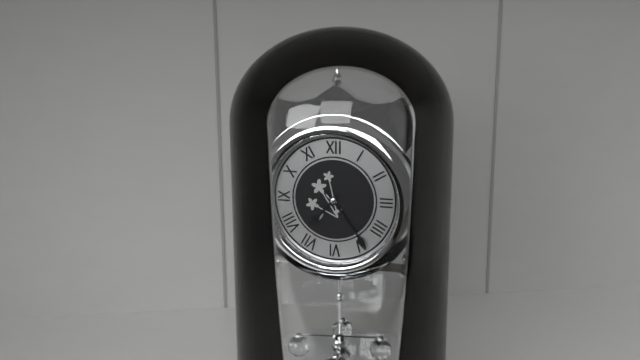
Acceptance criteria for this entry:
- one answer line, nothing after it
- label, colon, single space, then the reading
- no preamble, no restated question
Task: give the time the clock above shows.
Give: 7:24
